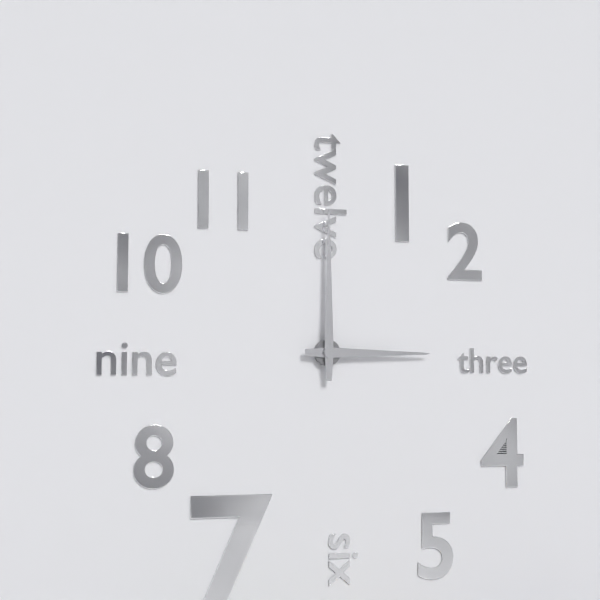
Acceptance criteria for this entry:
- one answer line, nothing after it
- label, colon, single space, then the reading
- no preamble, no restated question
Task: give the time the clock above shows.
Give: 3:00
